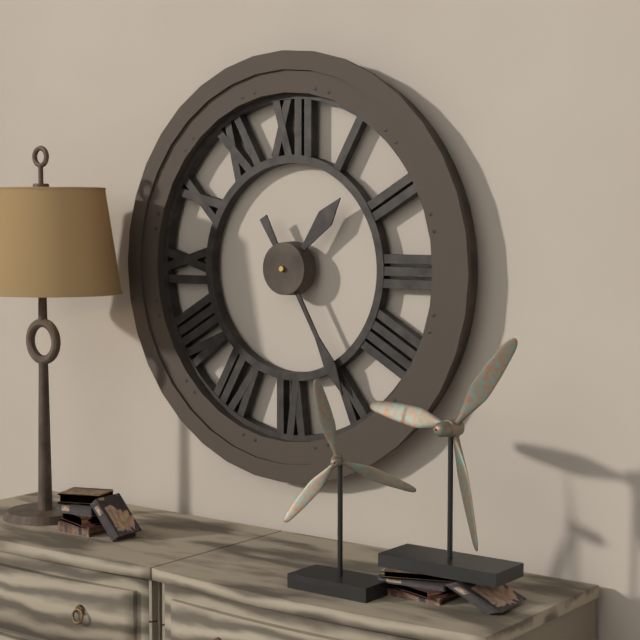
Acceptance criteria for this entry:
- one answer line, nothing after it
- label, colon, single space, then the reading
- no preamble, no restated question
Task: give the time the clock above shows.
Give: 1:25
